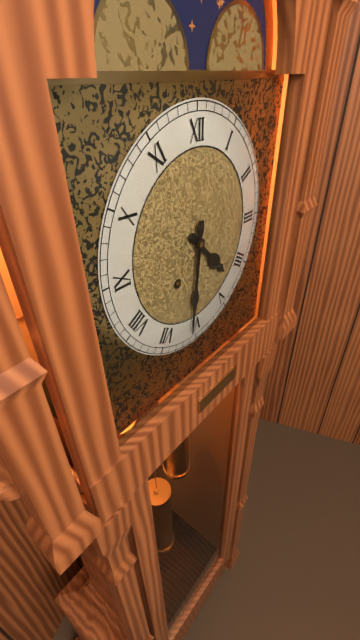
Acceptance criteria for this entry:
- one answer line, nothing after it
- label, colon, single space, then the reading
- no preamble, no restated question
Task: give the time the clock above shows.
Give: 4:31
